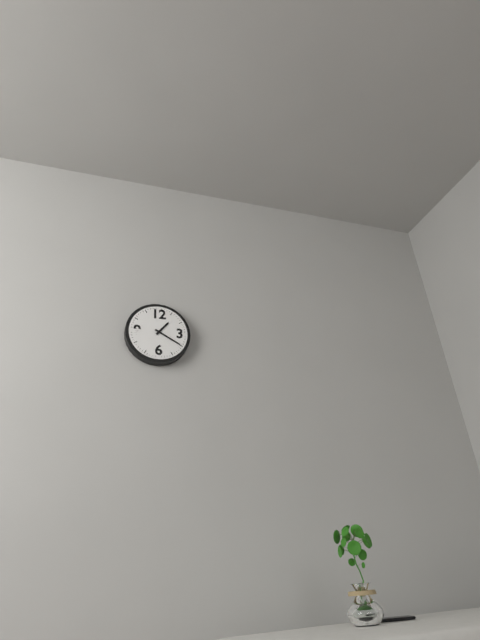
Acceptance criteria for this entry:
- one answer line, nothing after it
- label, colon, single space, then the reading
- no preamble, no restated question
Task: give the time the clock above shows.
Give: 1:20
